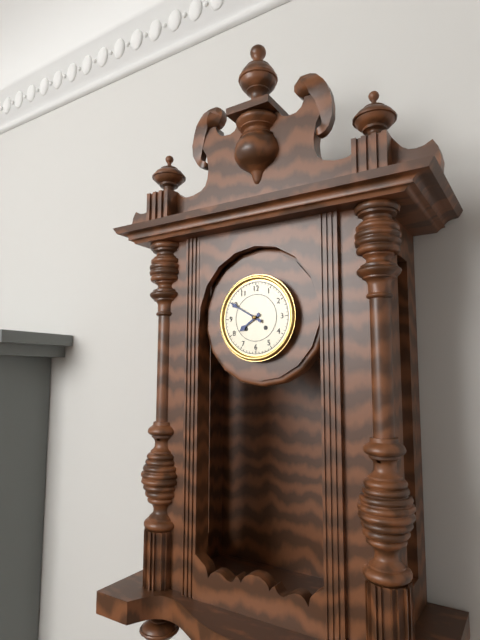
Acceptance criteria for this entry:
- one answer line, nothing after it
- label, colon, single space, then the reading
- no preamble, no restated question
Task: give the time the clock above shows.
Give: 7:50
